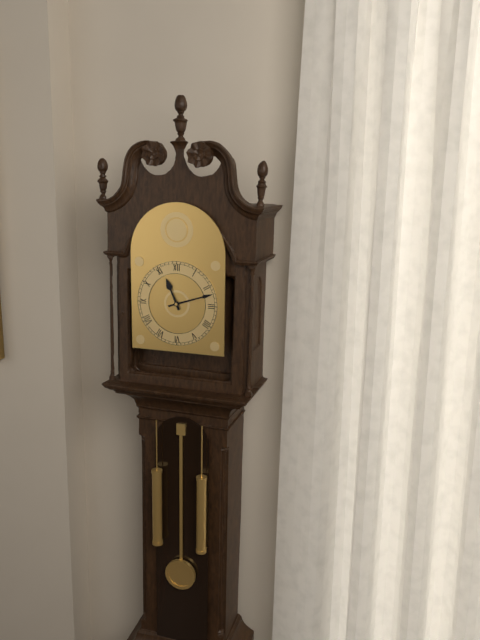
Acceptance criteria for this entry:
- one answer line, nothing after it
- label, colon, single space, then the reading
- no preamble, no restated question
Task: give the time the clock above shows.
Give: 11:12
